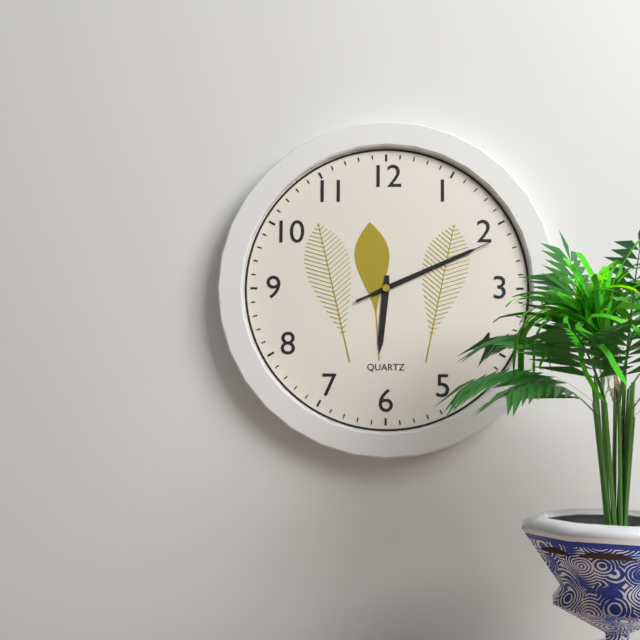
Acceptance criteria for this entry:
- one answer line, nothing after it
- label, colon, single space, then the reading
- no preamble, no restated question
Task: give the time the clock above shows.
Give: 6:11:11
